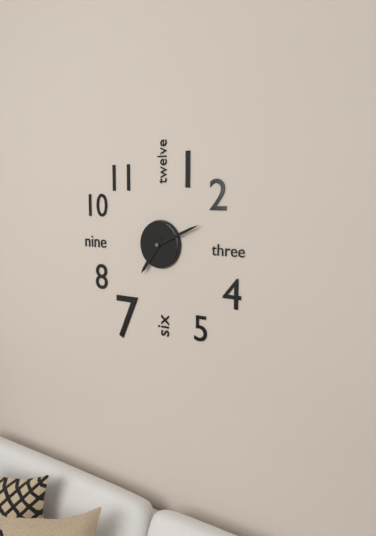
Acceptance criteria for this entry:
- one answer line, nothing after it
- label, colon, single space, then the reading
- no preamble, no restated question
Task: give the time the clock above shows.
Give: 7:11
